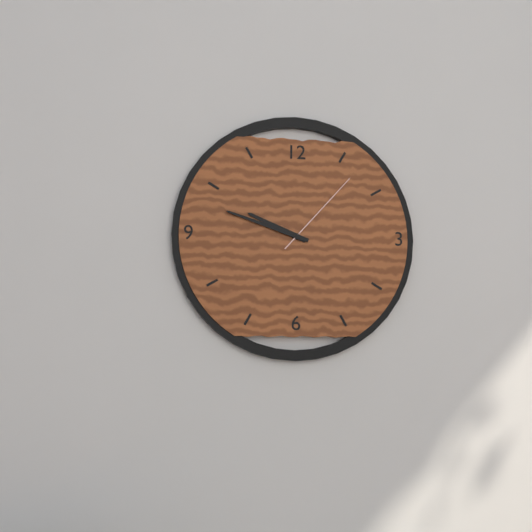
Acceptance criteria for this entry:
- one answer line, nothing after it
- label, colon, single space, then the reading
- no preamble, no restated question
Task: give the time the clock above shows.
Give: 9:48:07
